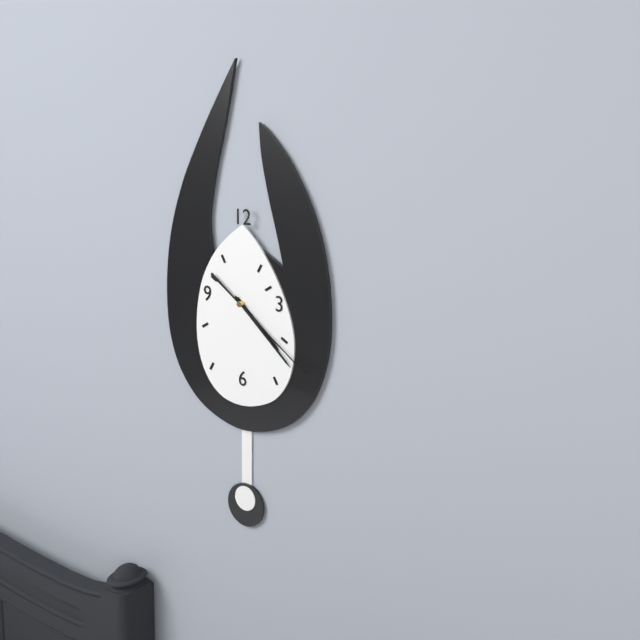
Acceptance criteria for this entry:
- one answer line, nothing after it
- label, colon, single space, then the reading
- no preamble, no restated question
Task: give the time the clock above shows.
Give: 4:22:21
